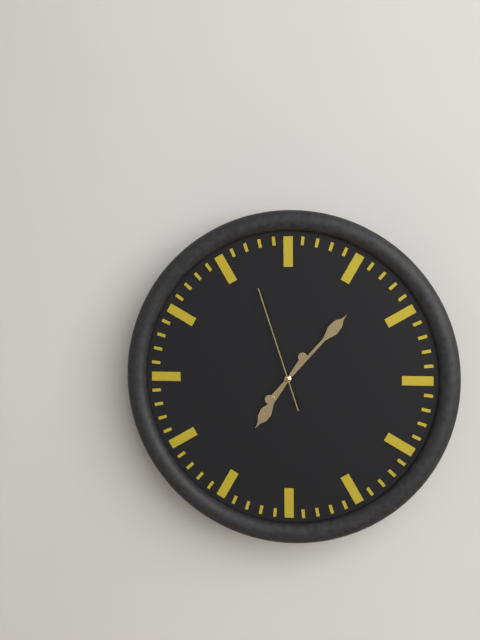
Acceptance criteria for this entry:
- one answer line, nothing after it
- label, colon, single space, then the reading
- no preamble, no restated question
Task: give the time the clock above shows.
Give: 7:07:57
